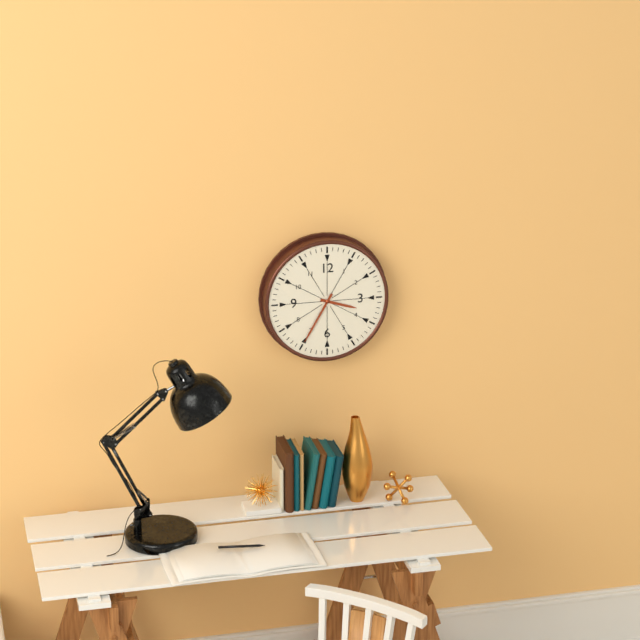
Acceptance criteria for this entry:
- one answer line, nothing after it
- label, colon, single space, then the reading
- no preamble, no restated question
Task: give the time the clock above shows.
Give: 3:35
